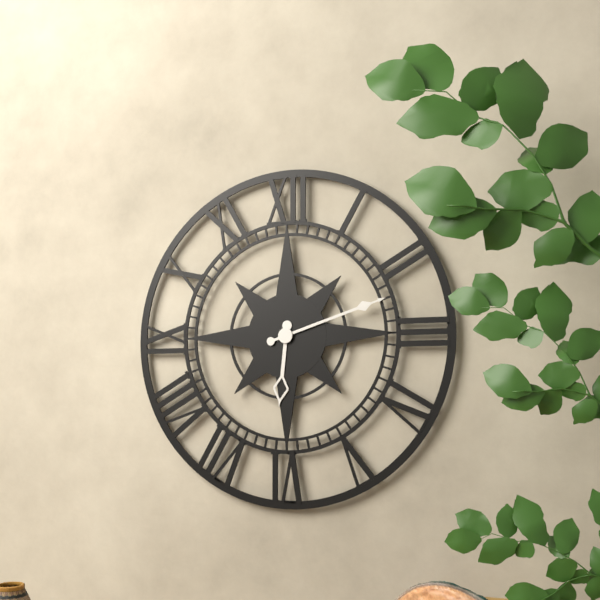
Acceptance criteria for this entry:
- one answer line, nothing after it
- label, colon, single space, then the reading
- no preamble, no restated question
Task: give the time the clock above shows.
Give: 6:12
